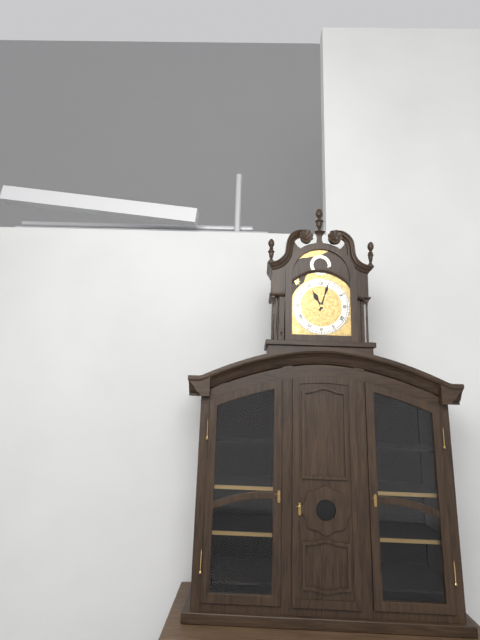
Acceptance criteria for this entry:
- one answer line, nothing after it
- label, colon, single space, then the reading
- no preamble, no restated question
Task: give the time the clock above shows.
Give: 11:03
